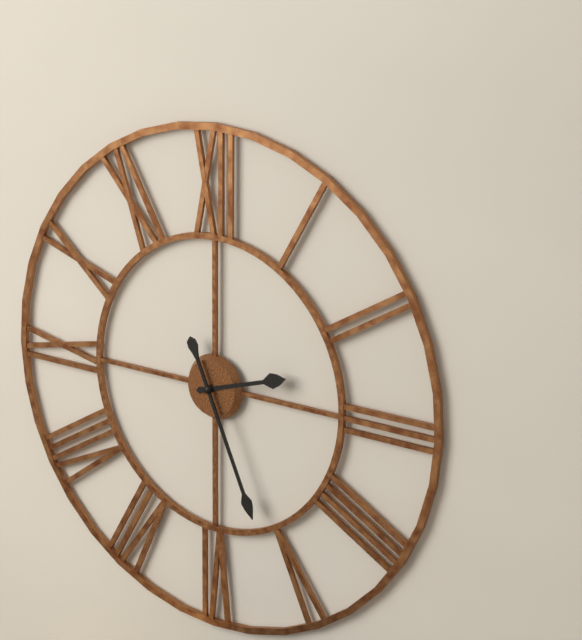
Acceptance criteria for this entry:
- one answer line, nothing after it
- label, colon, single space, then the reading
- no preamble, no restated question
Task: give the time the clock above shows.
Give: 2:26
